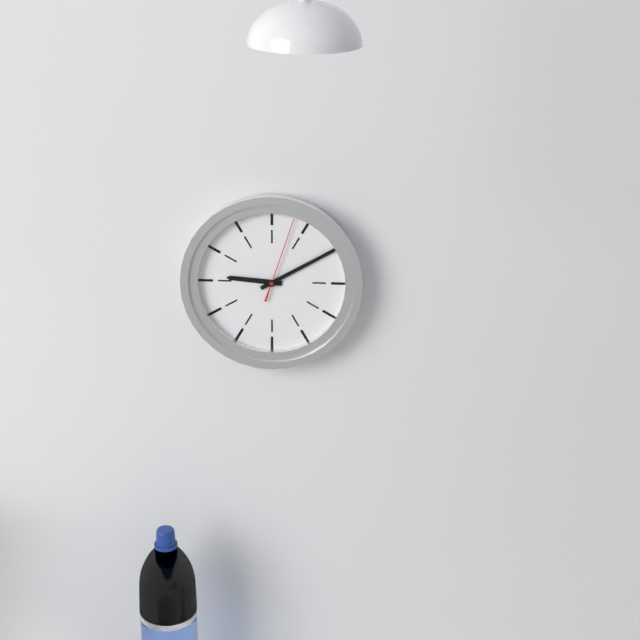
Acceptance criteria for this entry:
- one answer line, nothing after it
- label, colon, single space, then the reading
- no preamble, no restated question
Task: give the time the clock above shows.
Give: 9:10:03
